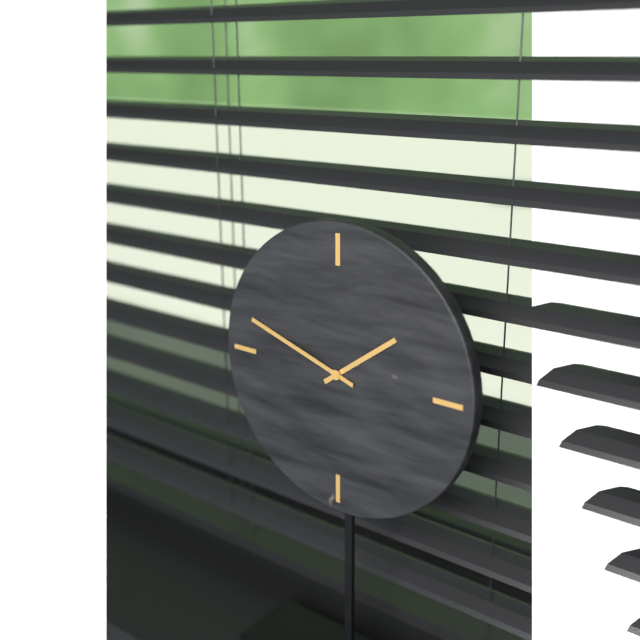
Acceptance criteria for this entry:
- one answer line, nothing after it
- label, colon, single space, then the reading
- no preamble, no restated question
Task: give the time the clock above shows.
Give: 1:48
